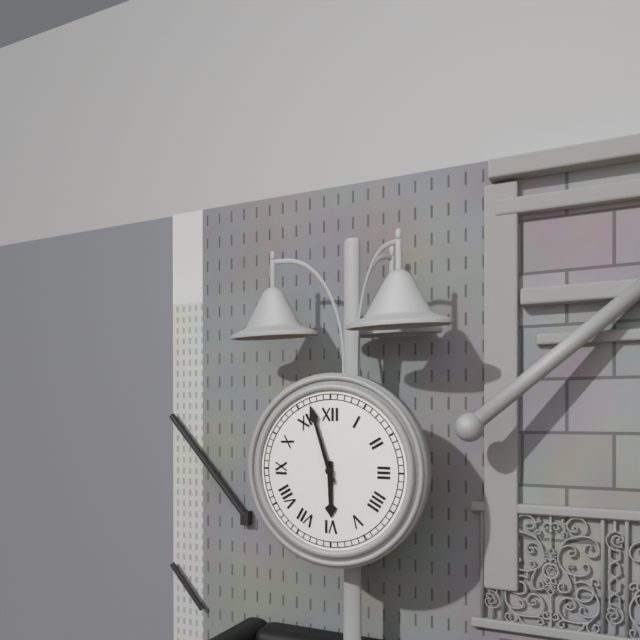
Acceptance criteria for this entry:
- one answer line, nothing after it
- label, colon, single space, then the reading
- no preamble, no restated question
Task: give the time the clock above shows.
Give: 5:57
